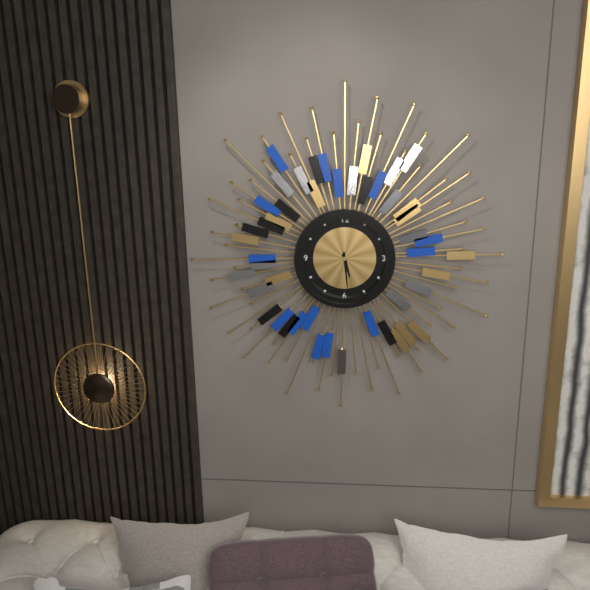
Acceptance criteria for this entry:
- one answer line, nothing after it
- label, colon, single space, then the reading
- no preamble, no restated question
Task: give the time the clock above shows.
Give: 5:29
